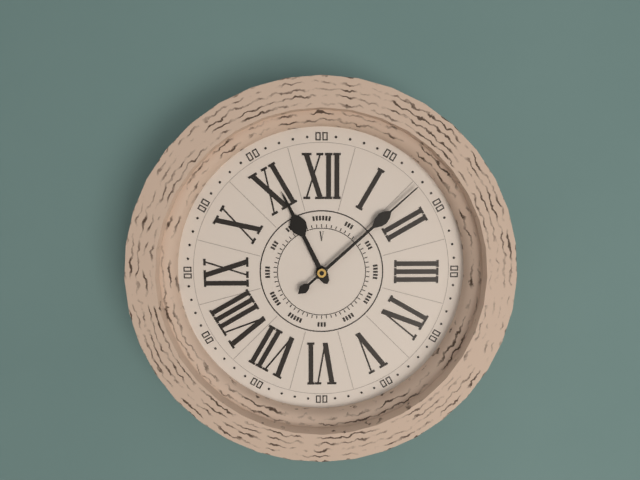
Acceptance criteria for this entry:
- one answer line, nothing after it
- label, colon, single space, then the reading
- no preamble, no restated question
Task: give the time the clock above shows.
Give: 11:08
